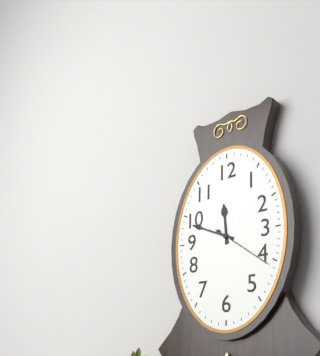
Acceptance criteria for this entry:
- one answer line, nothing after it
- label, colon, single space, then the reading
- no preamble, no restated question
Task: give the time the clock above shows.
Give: 11:49:21
